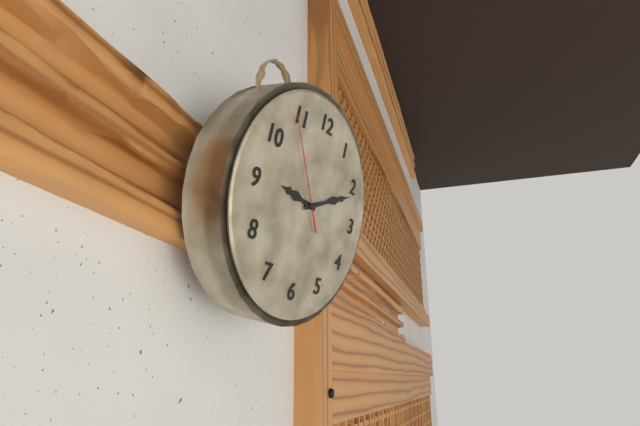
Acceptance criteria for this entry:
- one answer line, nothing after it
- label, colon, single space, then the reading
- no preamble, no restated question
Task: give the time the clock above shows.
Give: 9:11:54
